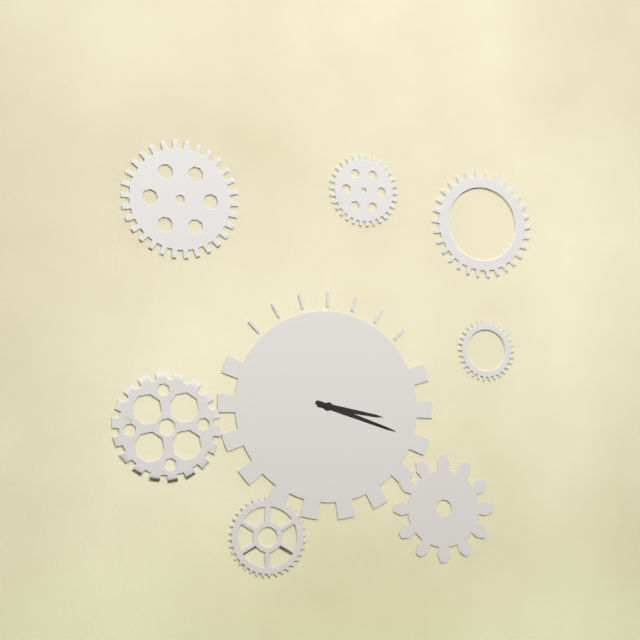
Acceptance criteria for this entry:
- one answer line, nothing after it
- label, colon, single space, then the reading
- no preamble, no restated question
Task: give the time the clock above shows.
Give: 3:18
